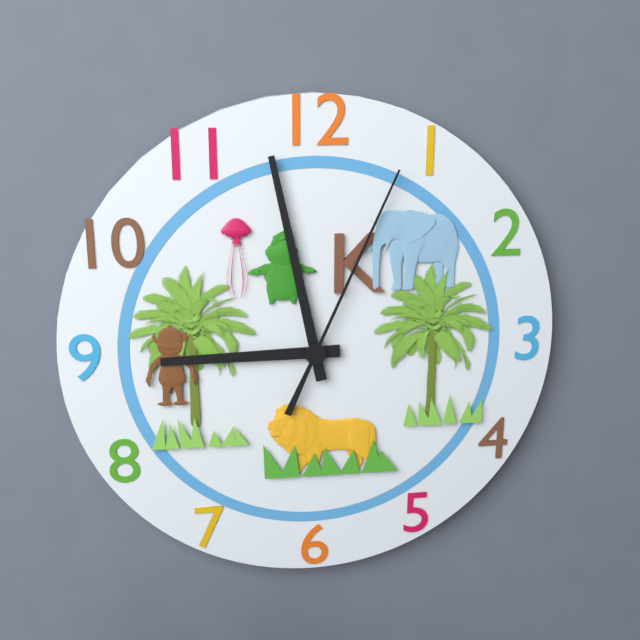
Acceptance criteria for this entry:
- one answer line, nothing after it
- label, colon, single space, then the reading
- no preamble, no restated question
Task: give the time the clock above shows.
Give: 8:58:04
